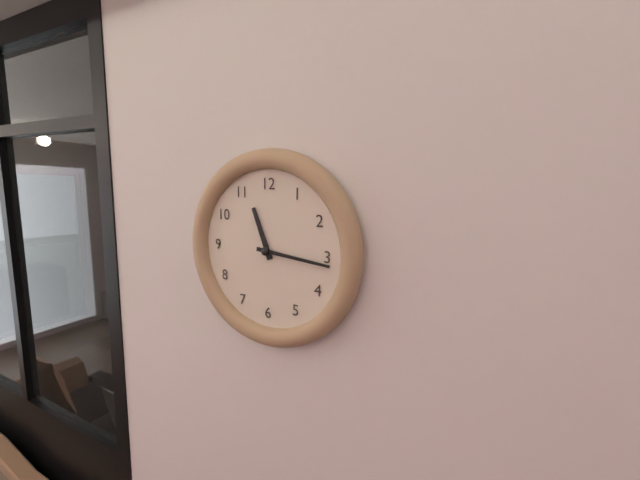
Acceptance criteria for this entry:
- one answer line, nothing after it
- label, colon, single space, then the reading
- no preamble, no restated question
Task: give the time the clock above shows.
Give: 11:16
